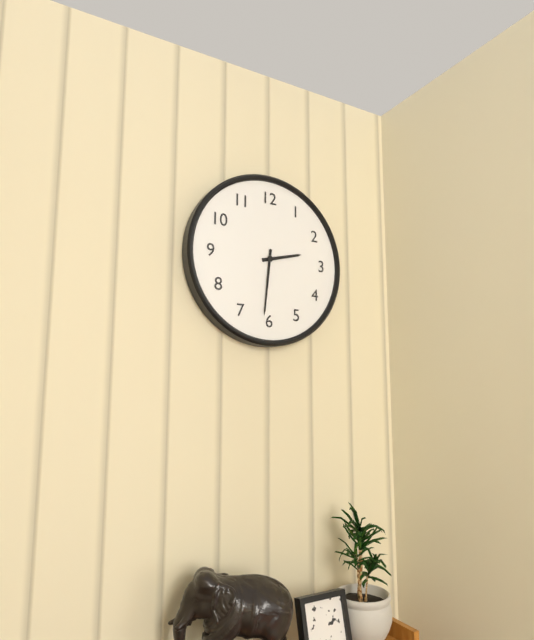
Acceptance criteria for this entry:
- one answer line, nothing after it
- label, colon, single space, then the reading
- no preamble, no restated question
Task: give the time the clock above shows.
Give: 2:31
